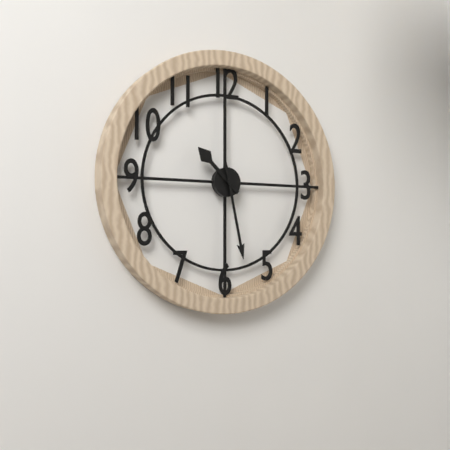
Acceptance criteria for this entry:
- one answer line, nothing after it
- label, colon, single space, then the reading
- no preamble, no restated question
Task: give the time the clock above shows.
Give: 10:28
